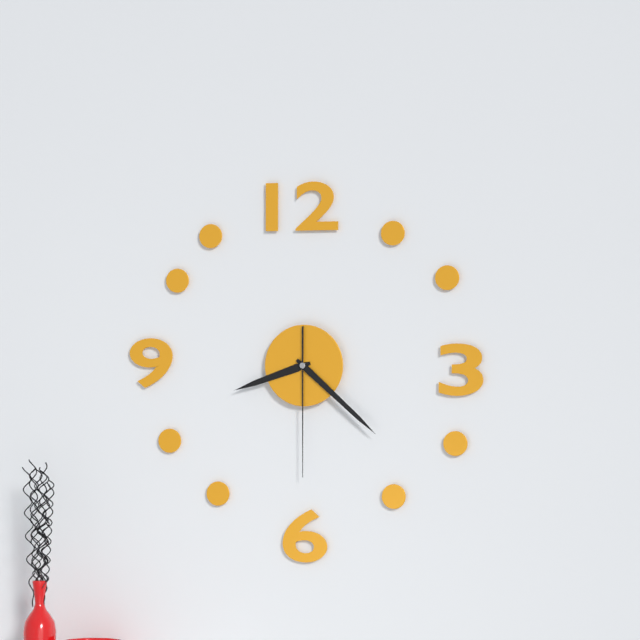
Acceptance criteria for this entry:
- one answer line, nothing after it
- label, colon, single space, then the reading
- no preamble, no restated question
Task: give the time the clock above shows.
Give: 8:22:30
